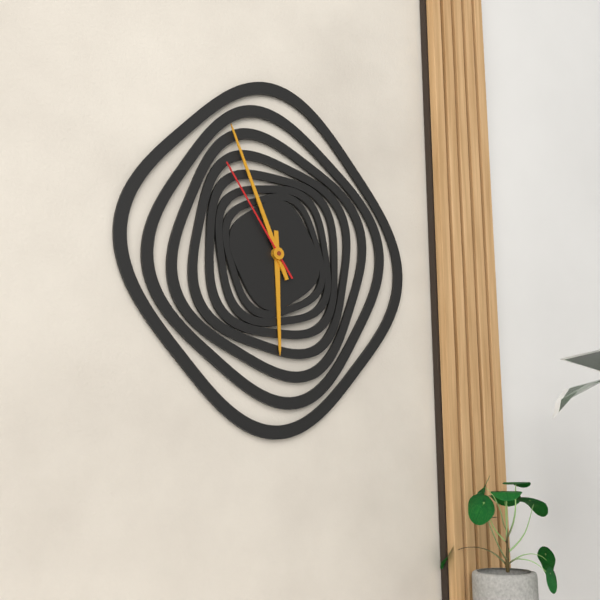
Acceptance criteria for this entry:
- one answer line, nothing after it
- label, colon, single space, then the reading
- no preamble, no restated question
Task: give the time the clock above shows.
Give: 5:56:54
